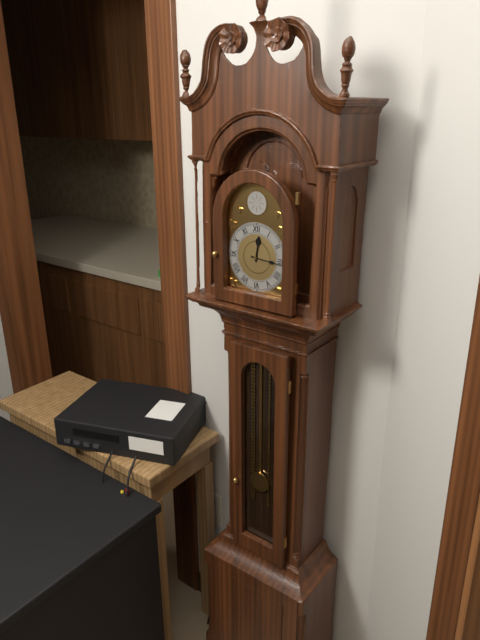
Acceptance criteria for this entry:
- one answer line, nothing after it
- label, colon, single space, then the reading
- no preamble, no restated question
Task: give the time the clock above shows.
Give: 12:16
